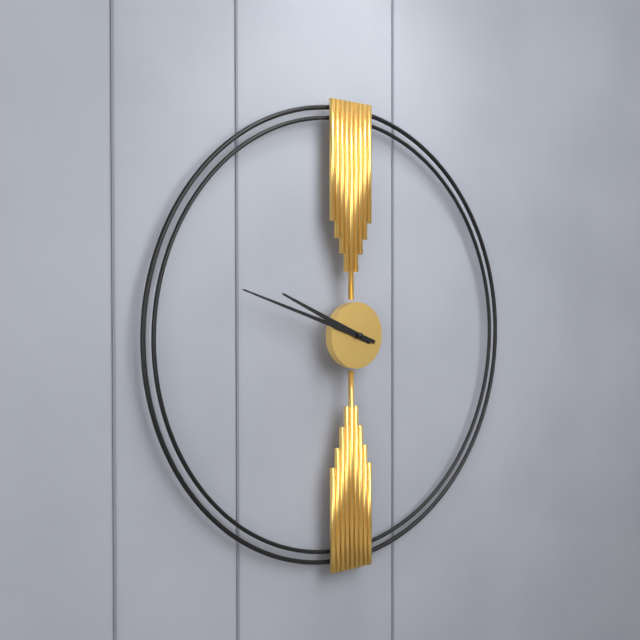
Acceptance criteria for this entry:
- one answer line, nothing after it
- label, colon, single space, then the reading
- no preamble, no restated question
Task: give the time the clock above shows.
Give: 9:48
